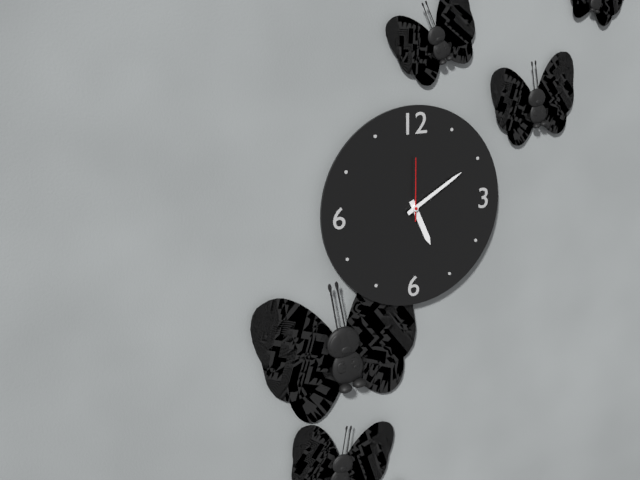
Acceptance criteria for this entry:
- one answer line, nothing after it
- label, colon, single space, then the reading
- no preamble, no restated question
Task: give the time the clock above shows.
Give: 5:10:00
